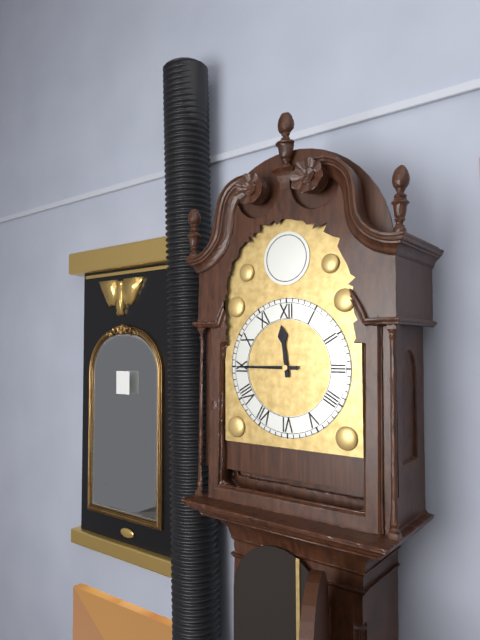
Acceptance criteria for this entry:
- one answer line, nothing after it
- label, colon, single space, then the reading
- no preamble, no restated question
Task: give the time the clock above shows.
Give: 11:45
